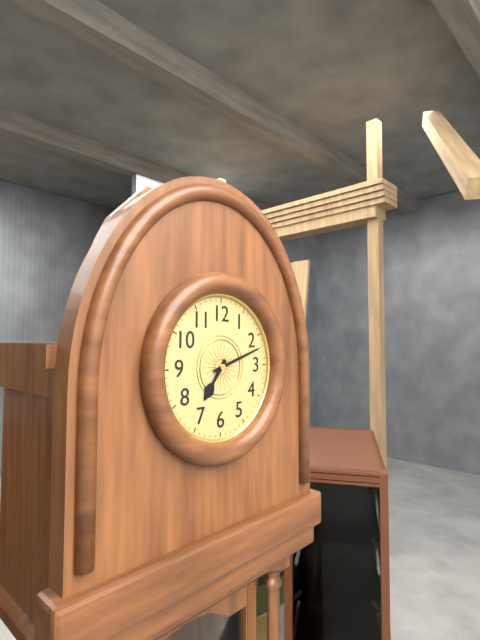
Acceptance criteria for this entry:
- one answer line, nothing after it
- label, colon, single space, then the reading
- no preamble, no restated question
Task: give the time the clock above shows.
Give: 7:12
